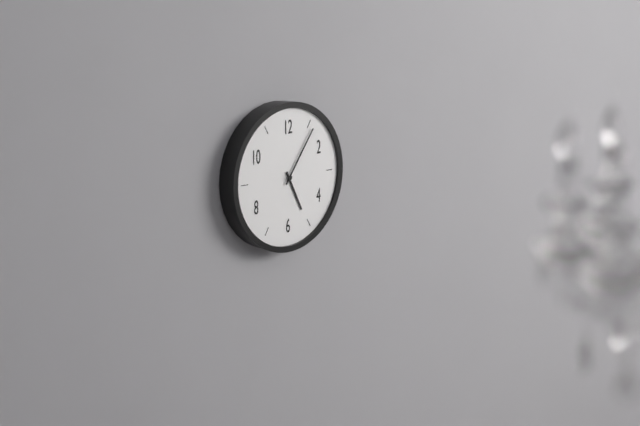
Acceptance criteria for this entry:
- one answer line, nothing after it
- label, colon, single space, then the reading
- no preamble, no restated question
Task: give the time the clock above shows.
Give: 5:06
